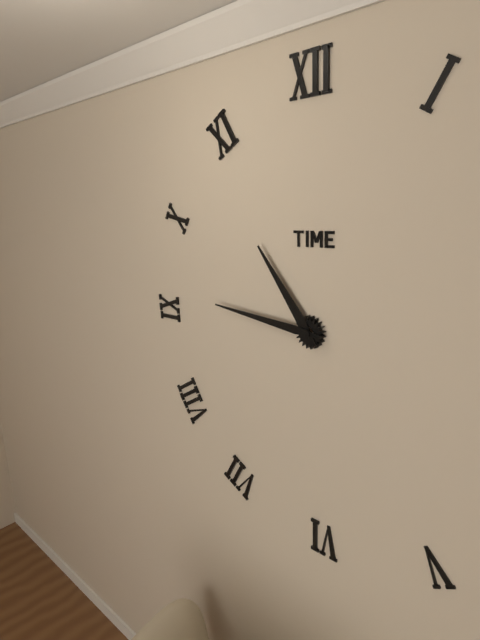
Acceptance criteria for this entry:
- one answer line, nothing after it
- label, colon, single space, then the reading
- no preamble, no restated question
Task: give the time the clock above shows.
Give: 10:46
